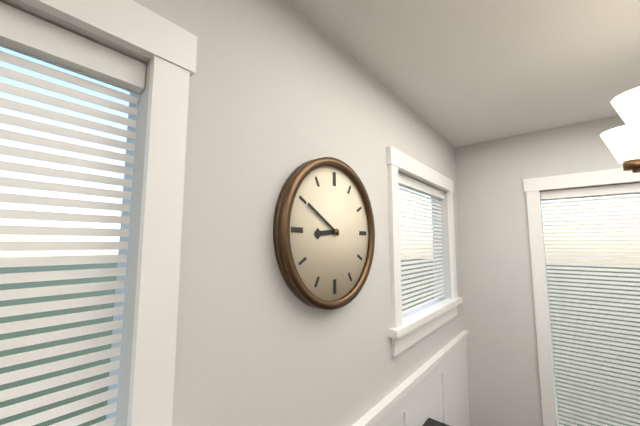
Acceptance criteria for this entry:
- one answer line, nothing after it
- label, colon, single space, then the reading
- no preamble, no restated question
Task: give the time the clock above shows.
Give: 8:50
